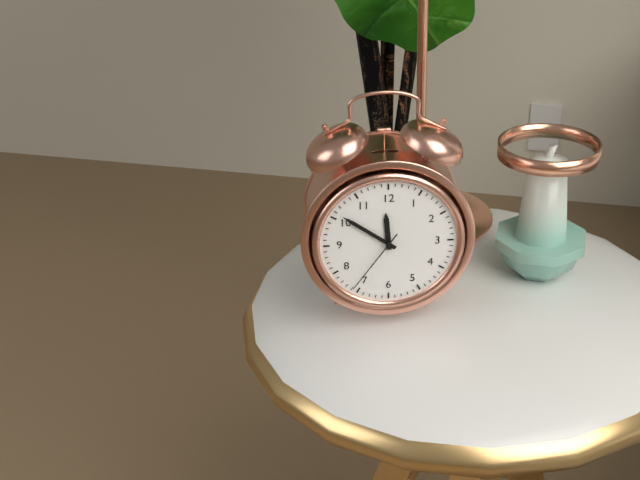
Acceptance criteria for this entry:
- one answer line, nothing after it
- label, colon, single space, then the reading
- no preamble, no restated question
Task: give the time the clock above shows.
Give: 11:51:36
